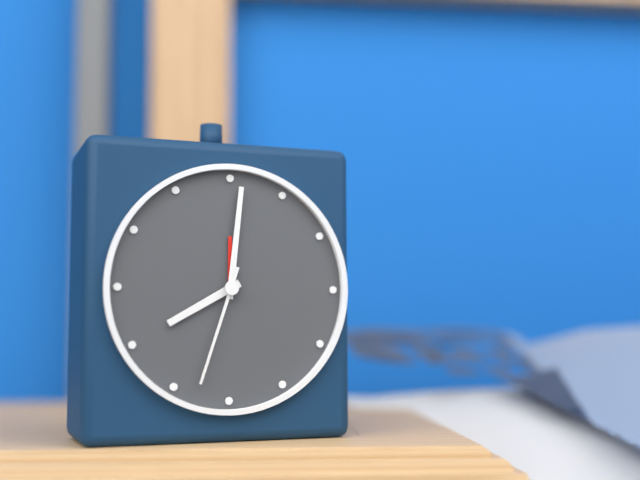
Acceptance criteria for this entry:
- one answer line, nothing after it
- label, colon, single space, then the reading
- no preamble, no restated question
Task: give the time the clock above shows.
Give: 8:01:33
